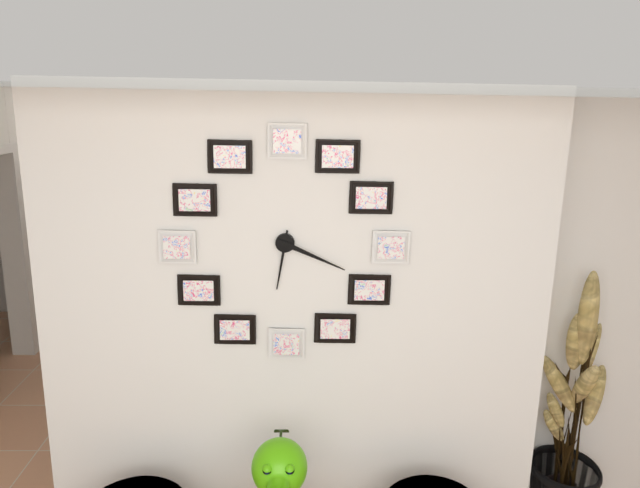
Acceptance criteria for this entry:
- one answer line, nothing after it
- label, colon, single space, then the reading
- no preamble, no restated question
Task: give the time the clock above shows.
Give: 6:19
